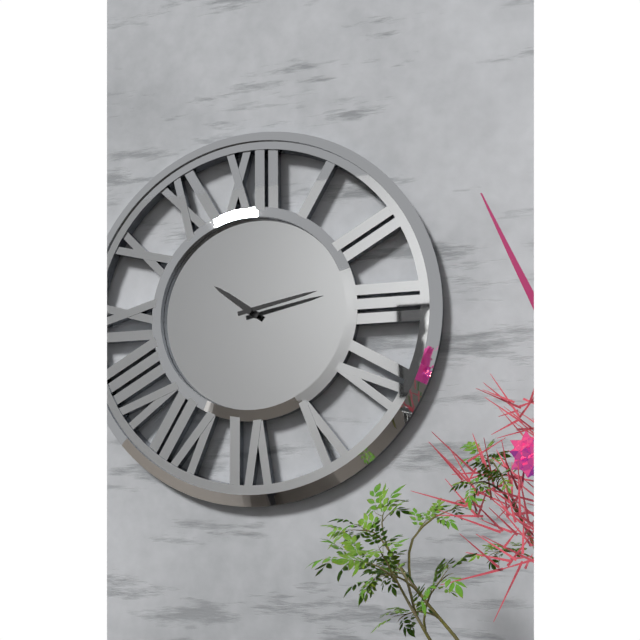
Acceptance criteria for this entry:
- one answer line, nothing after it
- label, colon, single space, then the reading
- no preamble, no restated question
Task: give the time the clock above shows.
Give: 10:13
